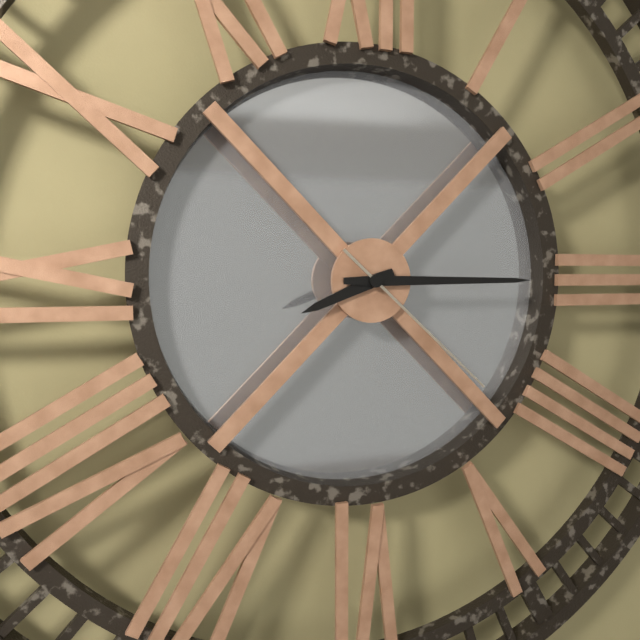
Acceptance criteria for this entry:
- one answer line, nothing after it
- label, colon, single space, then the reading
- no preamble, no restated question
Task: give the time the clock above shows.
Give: 8:15:22
